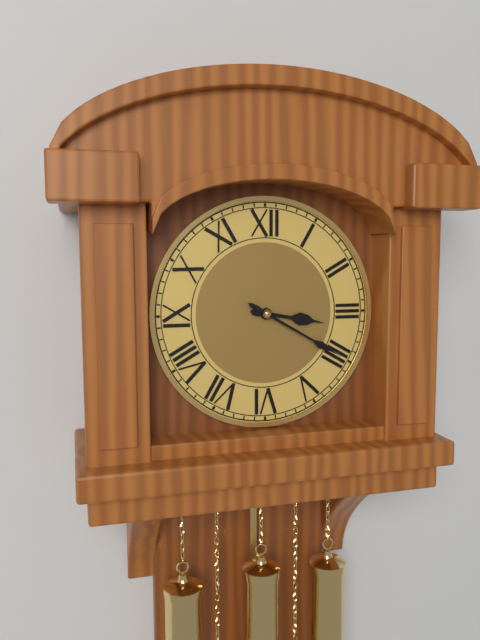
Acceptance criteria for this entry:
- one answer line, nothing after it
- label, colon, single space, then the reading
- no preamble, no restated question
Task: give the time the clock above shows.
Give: 3:20
